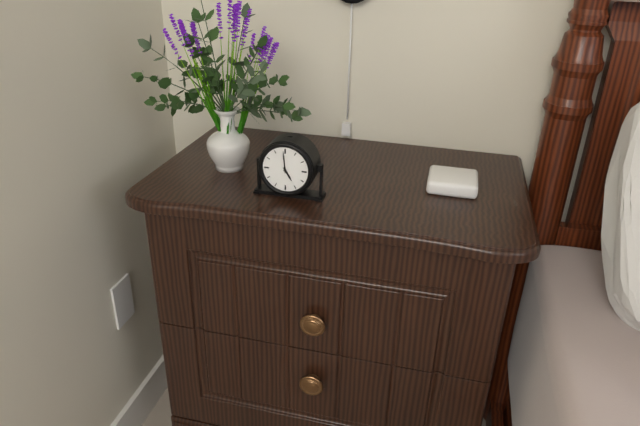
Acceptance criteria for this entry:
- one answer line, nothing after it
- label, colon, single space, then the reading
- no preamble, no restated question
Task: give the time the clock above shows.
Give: 4:59
